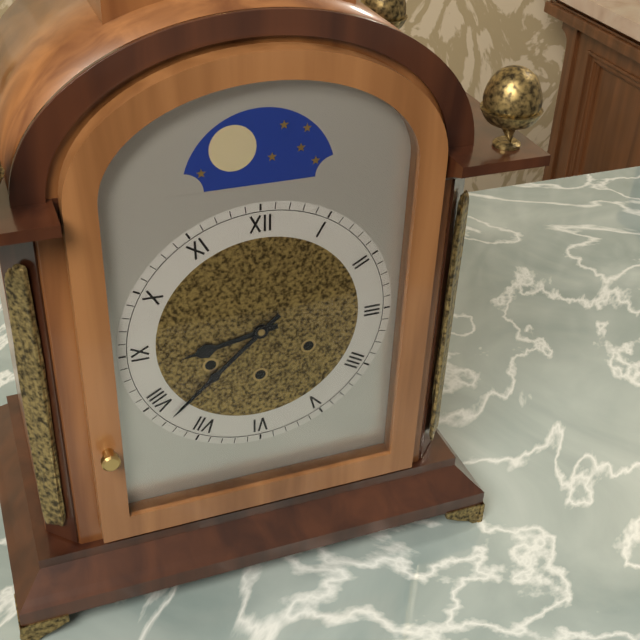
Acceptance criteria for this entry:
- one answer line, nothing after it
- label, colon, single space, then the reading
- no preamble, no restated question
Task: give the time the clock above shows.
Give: 8:38
